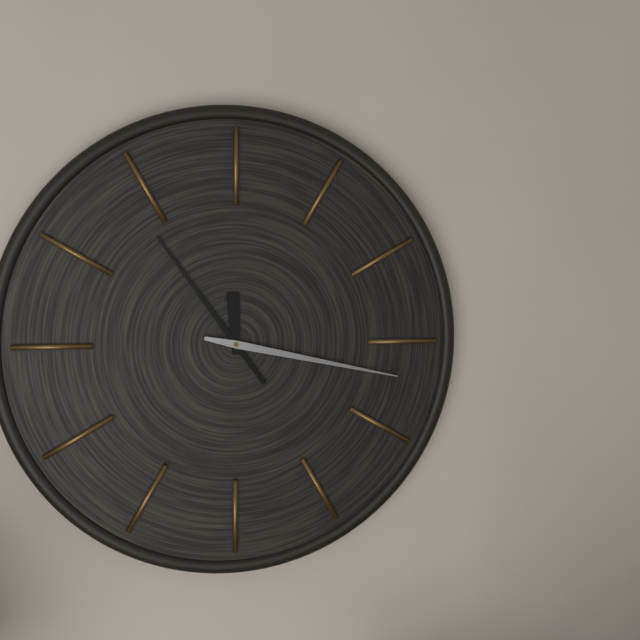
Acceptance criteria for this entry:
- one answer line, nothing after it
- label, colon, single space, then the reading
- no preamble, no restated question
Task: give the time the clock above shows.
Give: 11:54:17
